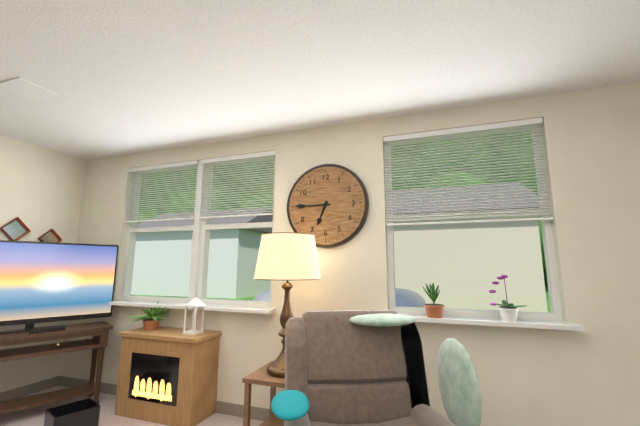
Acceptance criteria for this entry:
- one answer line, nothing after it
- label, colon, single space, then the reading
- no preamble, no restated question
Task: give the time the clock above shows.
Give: 6:45
